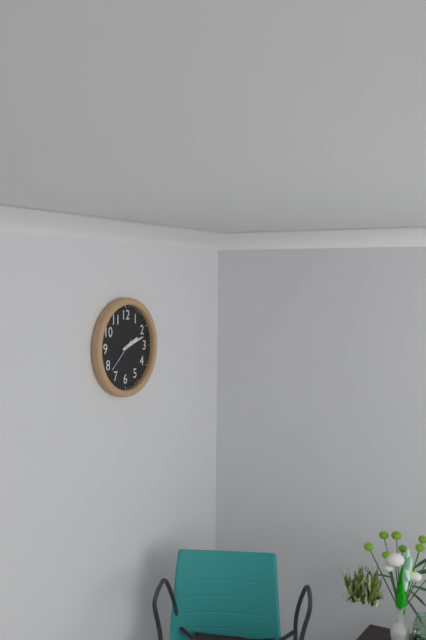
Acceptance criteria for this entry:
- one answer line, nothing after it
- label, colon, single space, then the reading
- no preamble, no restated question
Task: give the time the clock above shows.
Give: 2:12
